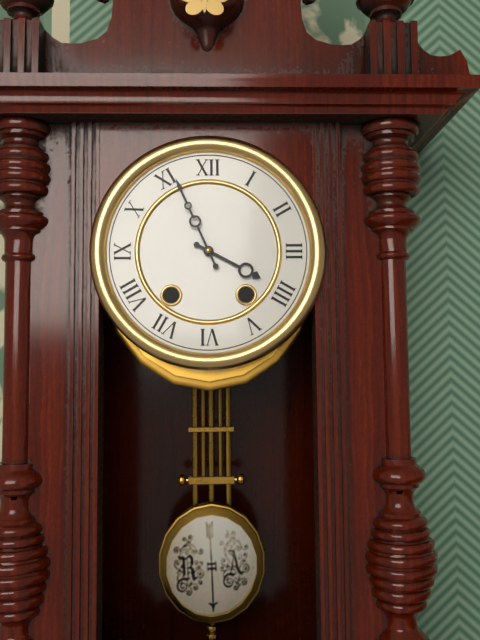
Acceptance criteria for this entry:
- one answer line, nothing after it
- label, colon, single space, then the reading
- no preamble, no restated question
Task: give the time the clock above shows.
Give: 3:56
